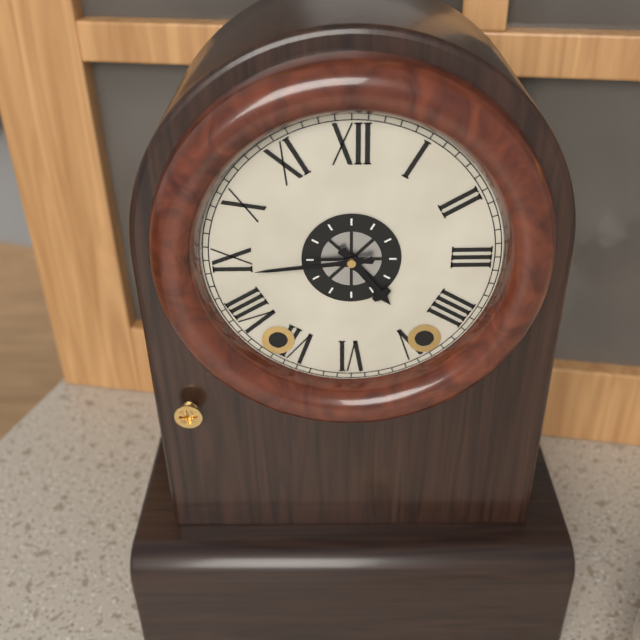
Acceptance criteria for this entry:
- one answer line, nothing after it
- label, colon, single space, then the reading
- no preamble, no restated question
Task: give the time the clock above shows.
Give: 4:44
